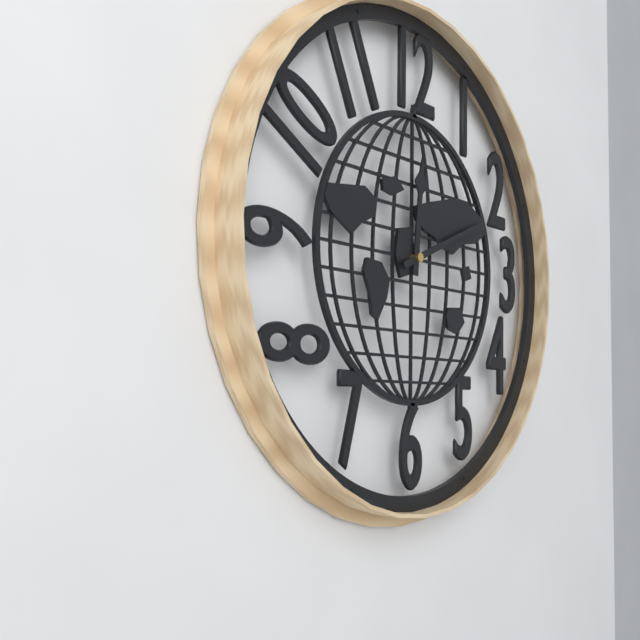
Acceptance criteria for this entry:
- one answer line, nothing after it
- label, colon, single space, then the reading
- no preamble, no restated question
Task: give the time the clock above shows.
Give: 12:11
